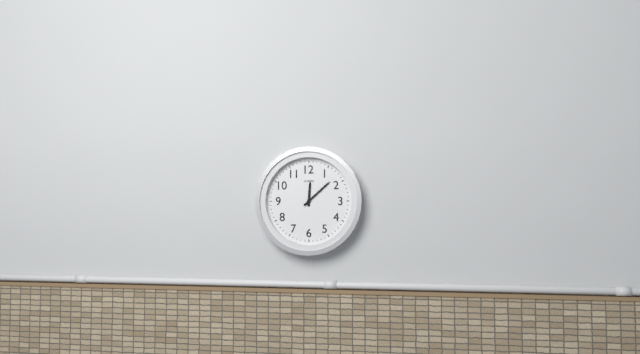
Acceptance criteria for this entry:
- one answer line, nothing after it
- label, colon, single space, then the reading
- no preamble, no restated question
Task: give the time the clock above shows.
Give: 12:08
